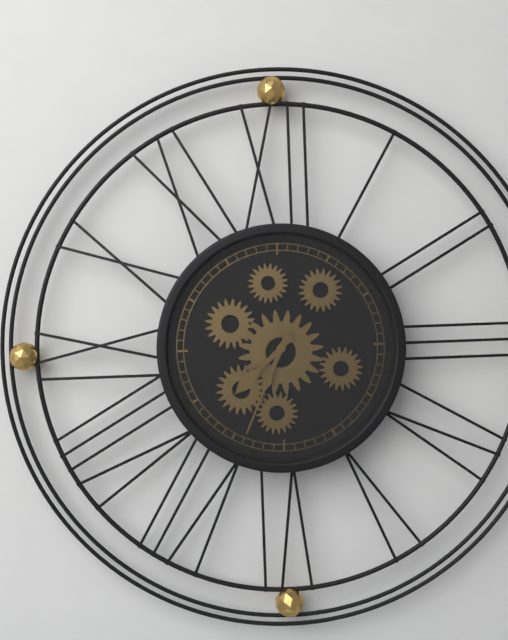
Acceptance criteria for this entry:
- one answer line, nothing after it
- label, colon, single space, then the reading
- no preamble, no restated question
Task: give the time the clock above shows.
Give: 7:34
